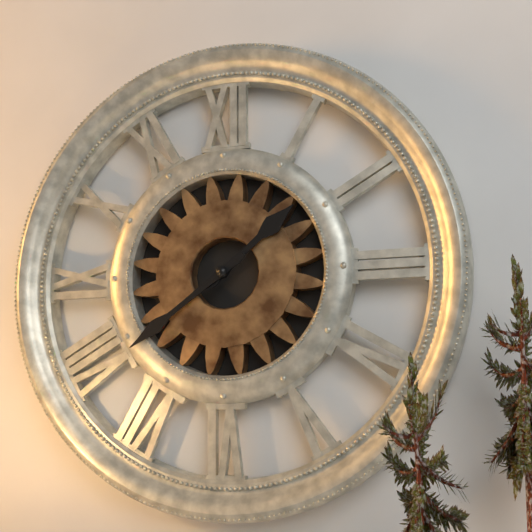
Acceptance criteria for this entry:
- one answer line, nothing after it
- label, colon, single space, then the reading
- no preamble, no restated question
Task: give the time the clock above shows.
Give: 1:39
